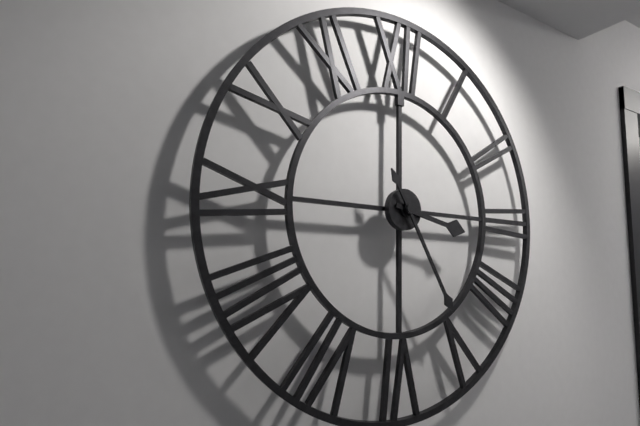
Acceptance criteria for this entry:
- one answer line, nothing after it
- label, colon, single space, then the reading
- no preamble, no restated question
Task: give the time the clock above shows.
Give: 3:25
